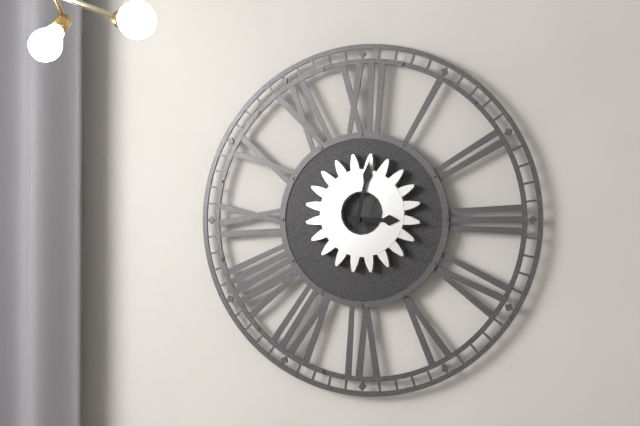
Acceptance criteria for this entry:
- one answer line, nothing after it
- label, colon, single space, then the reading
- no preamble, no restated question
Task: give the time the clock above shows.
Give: 3:02
